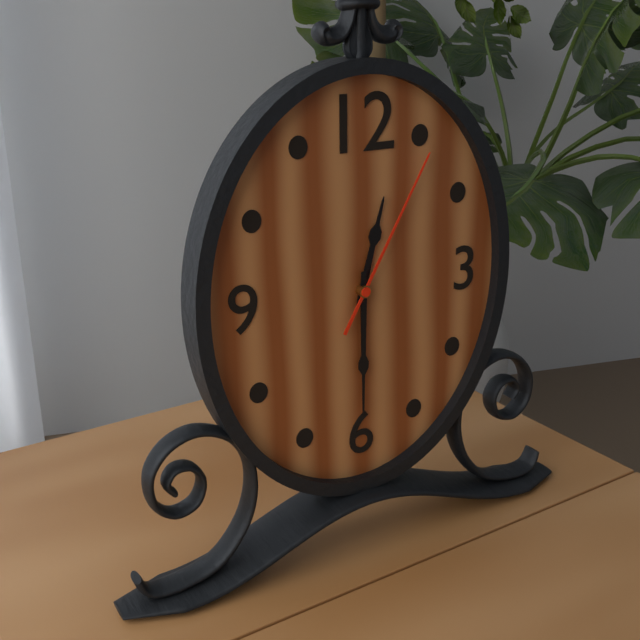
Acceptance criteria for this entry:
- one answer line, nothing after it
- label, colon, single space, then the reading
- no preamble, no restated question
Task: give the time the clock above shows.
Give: 12:30:05
